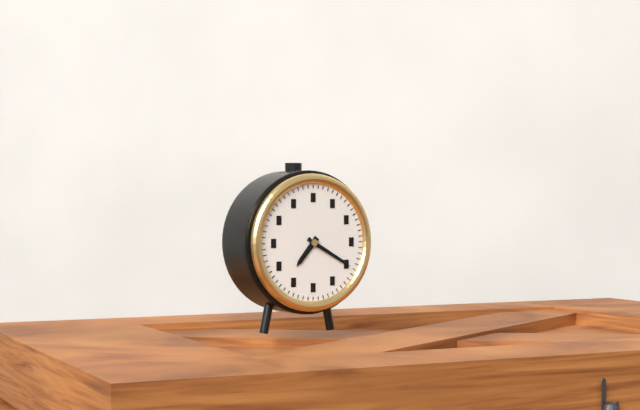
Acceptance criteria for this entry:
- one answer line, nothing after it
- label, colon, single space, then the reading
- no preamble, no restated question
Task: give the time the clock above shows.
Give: 7:20
